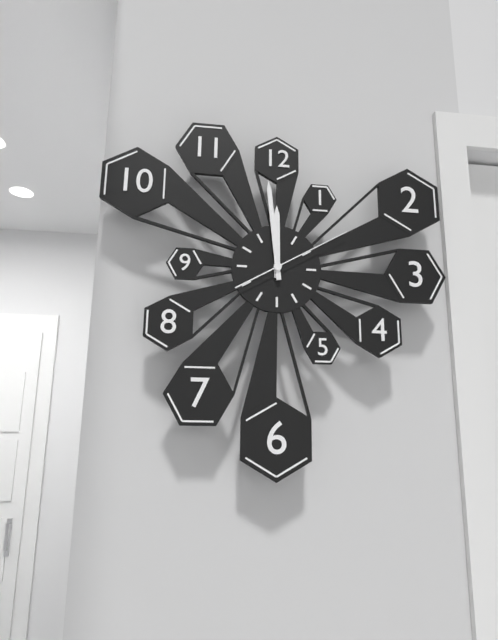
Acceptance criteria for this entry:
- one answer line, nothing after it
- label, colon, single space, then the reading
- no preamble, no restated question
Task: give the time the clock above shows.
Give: 11:59:10
